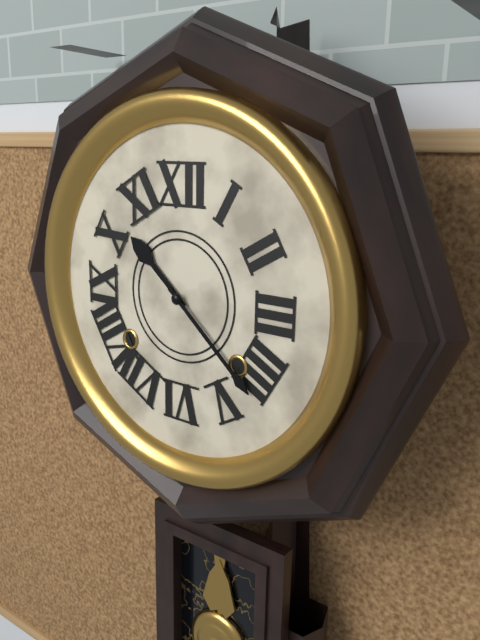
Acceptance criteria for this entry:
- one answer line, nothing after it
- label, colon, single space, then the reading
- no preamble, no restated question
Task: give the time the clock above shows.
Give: 10:22
